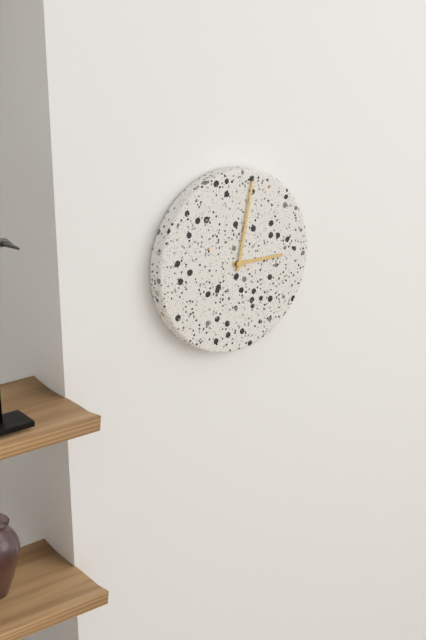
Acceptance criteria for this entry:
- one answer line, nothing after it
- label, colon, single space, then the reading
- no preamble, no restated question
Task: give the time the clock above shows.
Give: 3:02
